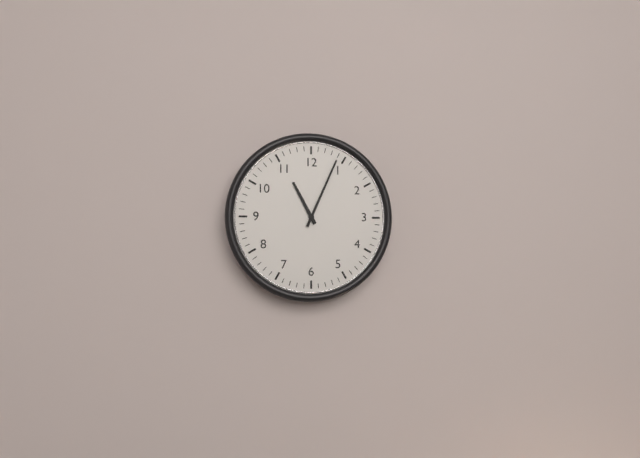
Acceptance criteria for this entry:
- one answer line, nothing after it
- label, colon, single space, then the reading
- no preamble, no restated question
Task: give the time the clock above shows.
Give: 11:04
